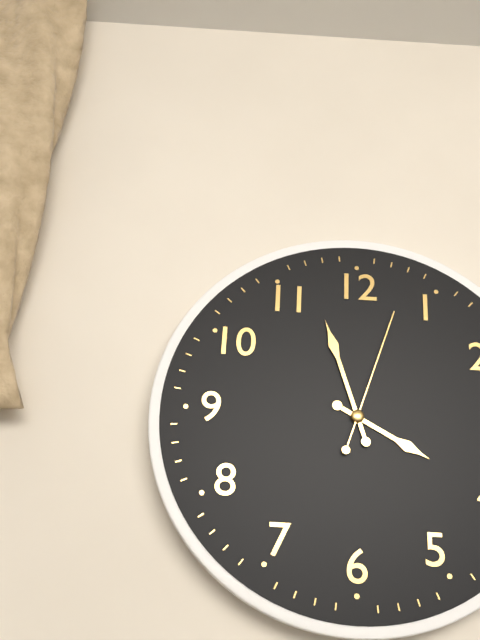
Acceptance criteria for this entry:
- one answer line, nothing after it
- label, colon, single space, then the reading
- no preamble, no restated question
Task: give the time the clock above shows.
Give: 3:57:03
